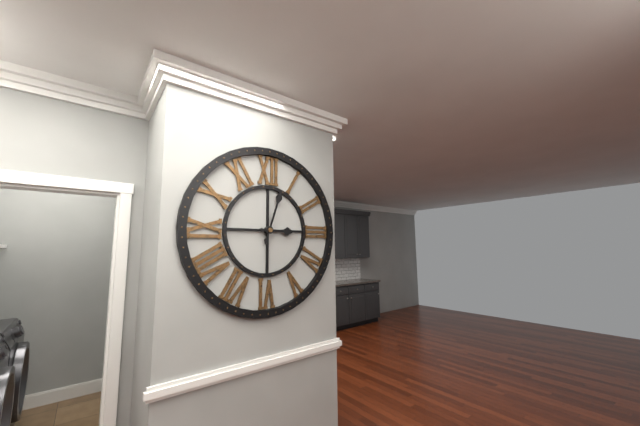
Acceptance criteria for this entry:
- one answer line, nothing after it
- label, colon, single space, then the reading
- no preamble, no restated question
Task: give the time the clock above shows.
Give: 3:03
